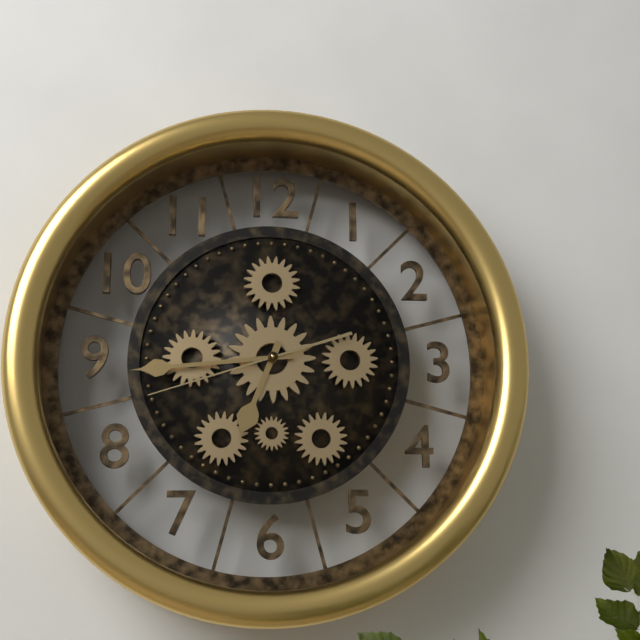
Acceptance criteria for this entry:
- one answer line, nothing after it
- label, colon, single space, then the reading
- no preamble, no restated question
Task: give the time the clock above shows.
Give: 6:44:42
